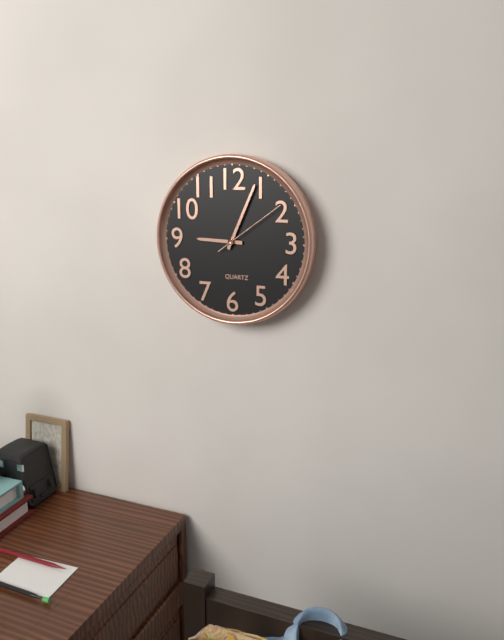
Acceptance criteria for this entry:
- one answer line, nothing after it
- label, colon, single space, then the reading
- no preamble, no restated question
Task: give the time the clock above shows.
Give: 9:04:09
